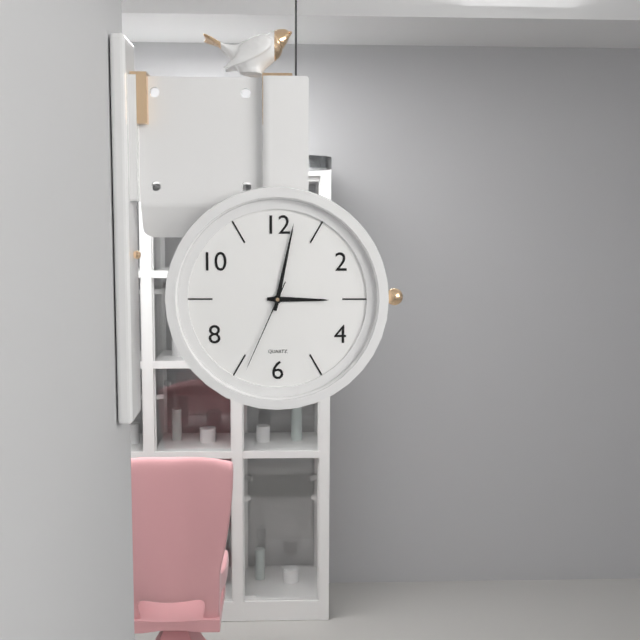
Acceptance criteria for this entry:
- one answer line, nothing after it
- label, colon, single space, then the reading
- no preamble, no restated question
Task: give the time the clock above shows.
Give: 3:02:34
